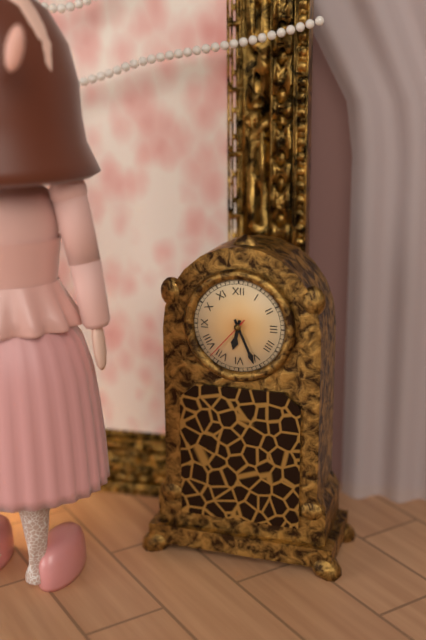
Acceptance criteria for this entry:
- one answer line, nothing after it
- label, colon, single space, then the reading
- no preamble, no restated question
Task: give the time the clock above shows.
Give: 6:26:37
